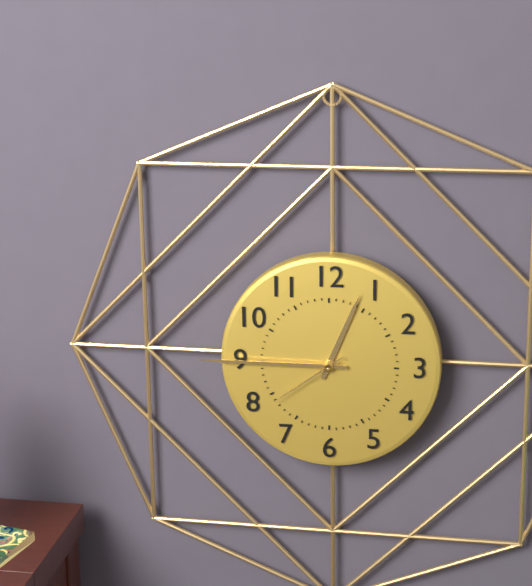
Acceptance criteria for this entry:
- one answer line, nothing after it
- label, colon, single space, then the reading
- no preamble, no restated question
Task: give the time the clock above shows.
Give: 12:45:39
